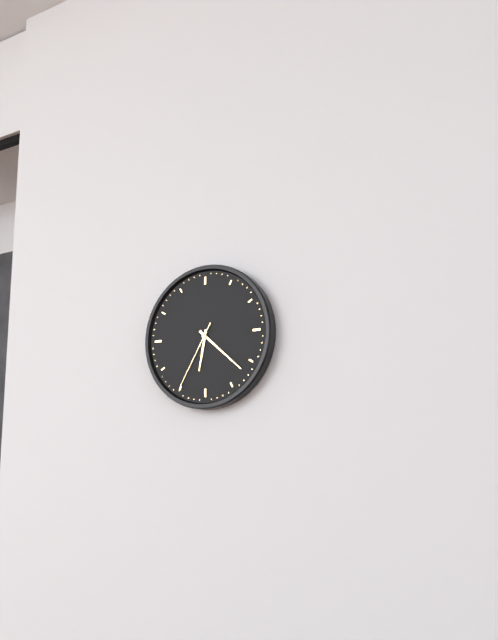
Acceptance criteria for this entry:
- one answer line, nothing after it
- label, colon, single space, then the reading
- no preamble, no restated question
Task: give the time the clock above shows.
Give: 6:22:35
